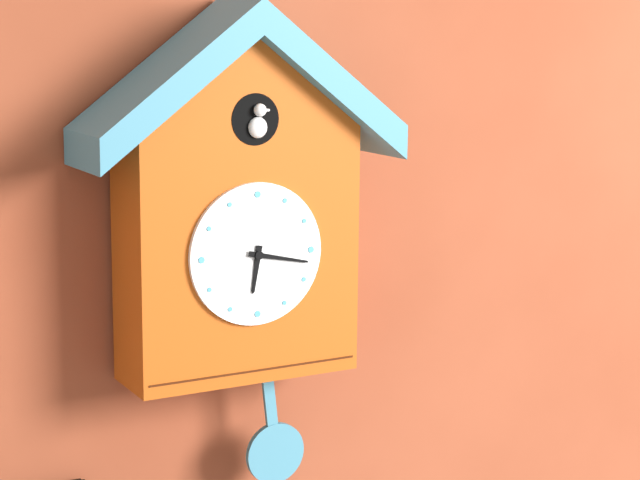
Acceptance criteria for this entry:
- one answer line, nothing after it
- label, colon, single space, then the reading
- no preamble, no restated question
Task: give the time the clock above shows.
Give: 6:17
